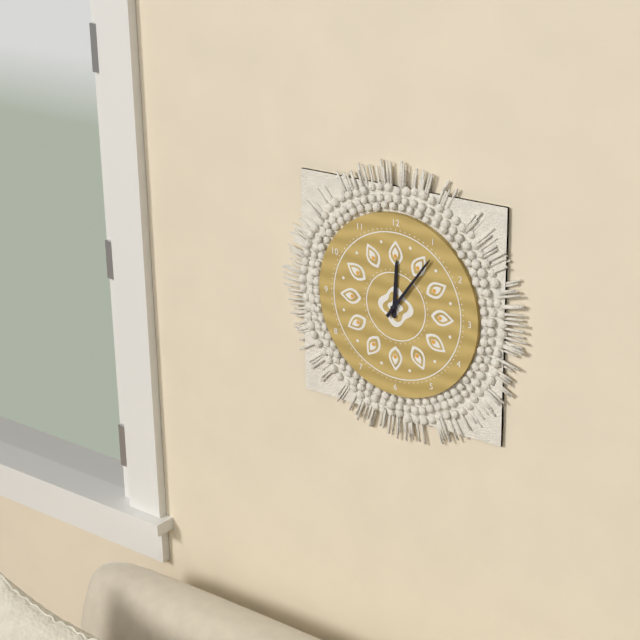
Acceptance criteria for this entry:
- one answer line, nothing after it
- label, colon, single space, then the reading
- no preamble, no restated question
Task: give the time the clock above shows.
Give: 12:06
